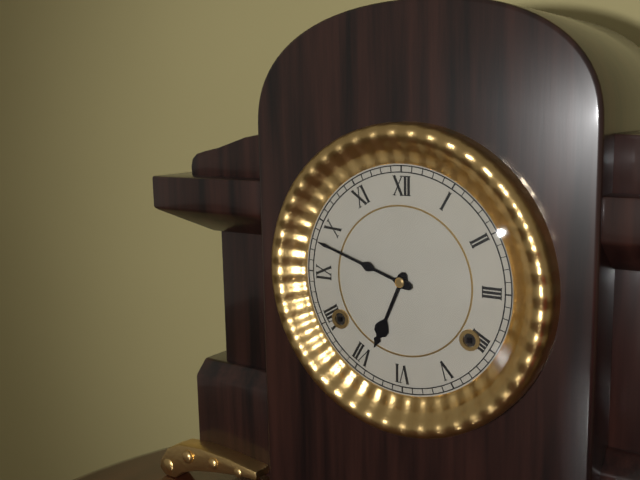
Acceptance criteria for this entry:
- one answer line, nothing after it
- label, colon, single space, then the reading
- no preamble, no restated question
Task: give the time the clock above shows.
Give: 6:48
